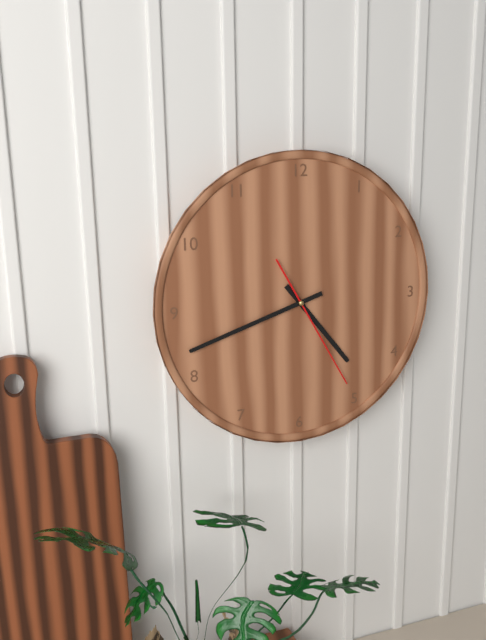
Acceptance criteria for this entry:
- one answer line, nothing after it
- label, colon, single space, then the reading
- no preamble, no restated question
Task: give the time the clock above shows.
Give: 4:42:25
